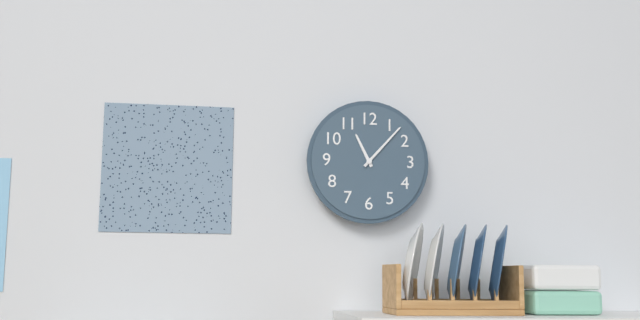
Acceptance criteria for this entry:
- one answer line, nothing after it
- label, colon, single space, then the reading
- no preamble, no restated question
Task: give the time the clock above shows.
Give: 11:07
